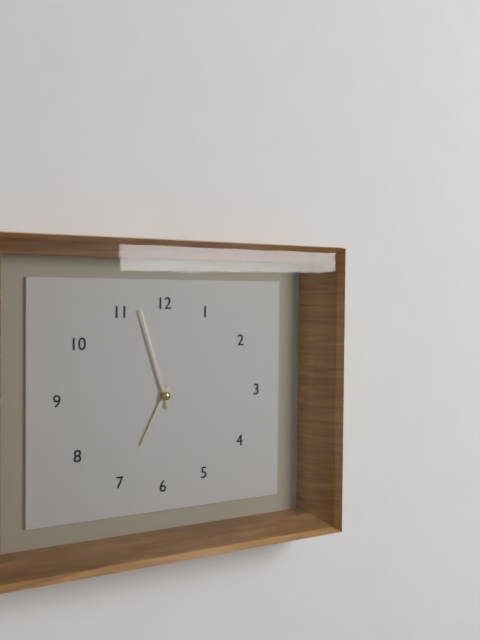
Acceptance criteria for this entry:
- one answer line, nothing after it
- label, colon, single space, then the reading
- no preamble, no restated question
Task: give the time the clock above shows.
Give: 6:57
